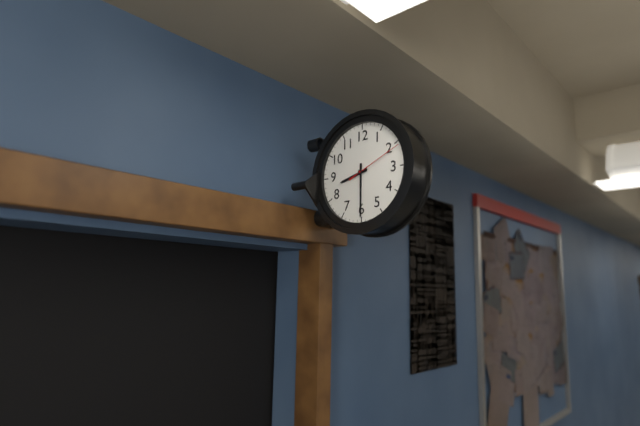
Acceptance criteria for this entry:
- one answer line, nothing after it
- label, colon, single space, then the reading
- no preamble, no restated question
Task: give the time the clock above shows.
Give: 8:30:11
